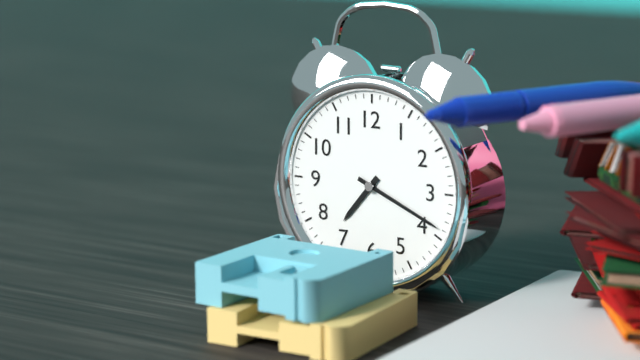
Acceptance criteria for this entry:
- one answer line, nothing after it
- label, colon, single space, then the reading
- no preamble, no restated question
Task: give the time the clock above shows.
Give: 7:19
